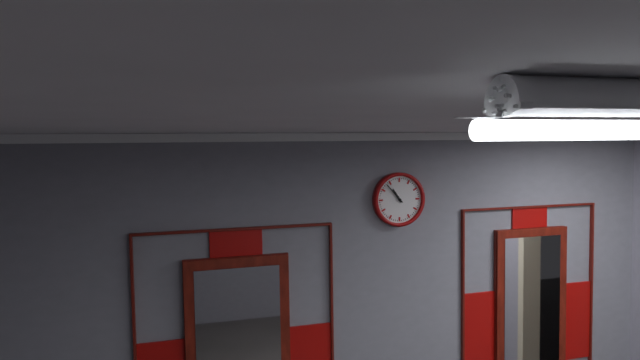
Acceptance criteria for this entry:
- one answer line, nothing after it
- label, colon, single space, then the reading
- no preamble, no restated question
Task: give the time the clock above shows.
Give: 10:53
